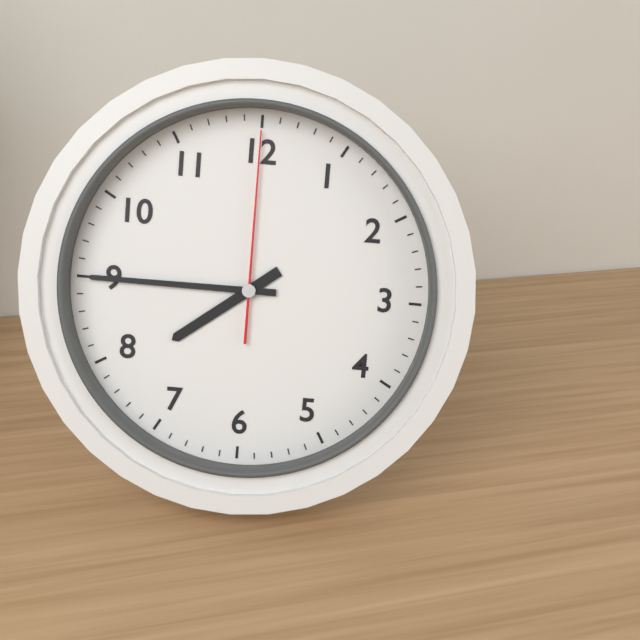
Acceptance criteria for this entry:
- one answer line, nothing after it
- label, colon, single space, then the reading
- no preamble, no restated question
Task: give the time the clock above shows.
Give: 7:45:00
